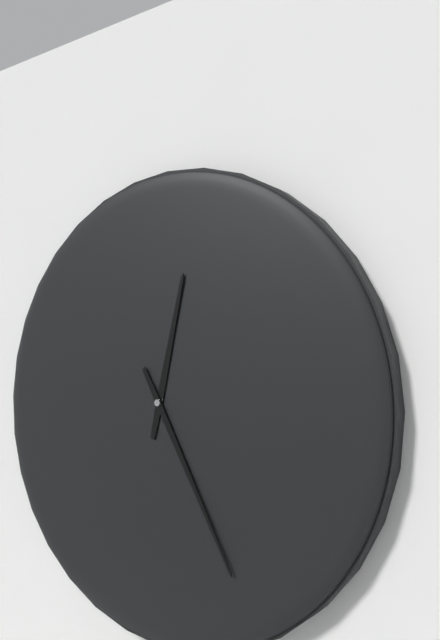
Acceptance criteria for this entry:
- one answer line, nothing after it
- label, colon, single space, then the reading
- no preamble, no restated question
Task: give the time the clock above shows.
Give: 12:25
